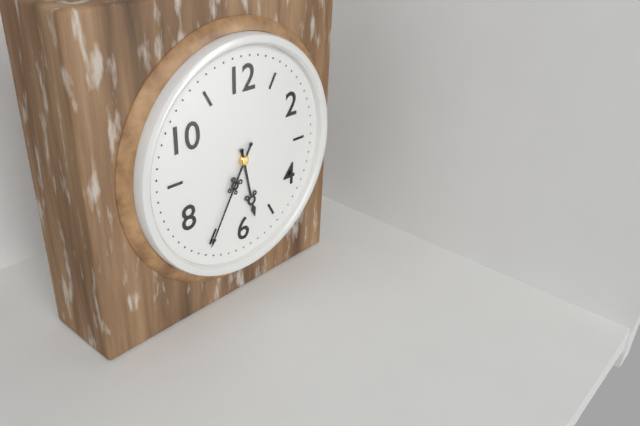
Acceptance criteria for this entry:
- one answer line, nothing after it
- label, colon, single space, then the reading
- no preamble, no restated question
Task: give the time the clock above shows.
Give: 5:35
